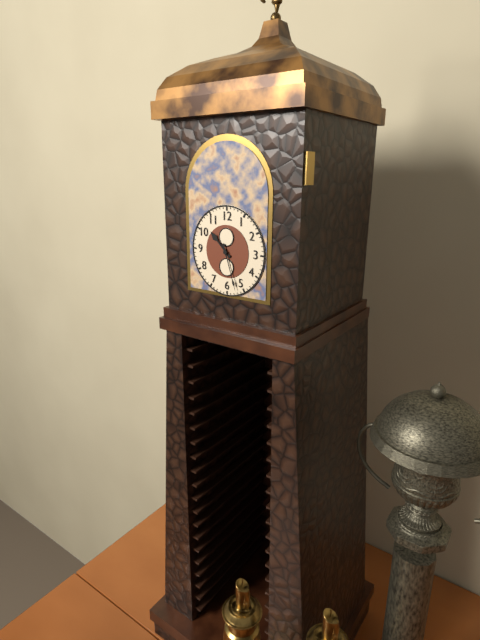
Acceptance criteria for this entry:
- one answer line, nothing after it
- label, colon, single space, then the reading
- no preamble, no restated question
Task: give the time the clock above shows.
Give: 10:27
